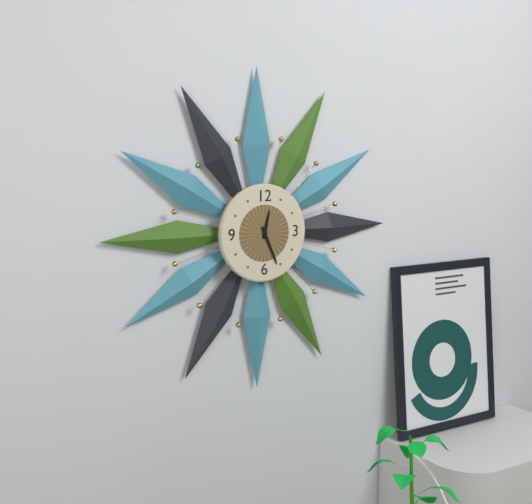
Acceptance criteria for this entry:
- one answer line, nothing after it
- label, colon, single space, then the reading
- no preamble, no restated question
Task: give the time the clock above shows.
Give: 12:26
